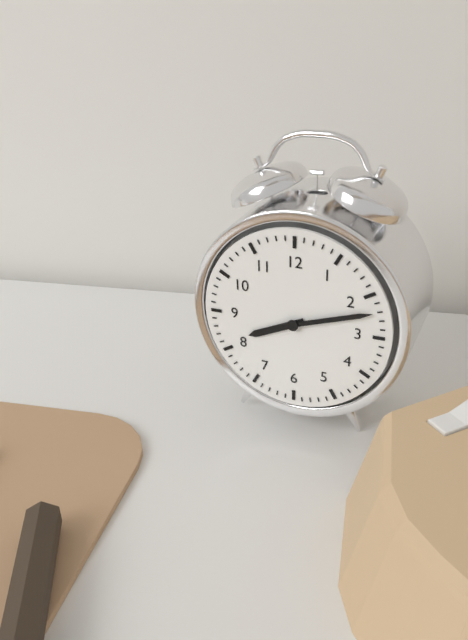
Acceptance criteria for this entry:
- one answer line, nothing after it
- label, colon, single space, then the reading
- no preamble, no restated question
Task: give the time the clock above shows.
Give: 8:12
